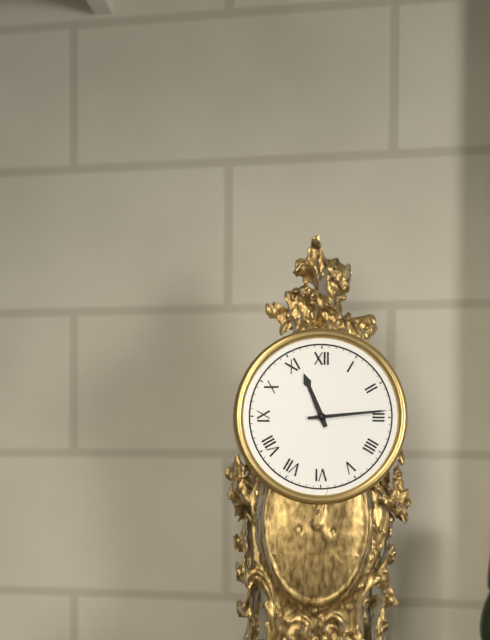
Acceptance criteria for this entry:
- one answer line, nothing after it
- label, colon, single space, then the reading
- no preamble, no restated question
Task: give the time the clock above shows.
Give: 11:14
